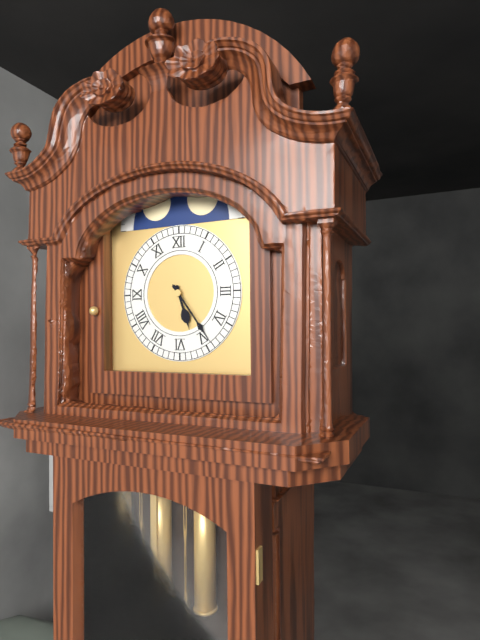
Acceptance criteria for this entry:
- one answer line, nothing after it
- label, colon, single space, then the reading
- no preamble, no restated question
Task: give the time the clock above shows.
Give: 5:24
